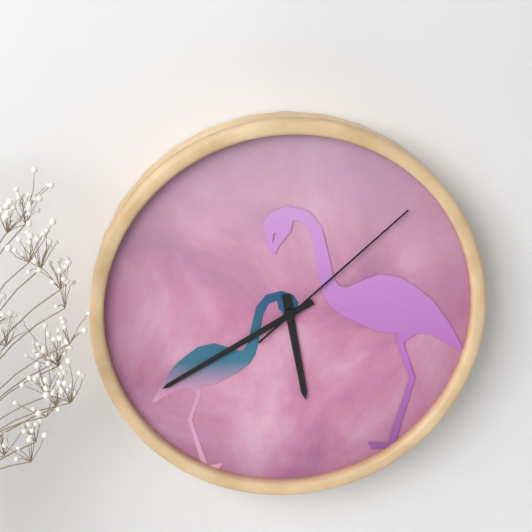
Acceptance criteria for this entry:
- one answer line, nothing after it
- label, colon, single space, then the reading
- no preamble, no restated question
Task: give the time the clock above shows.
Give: 5:40:08
